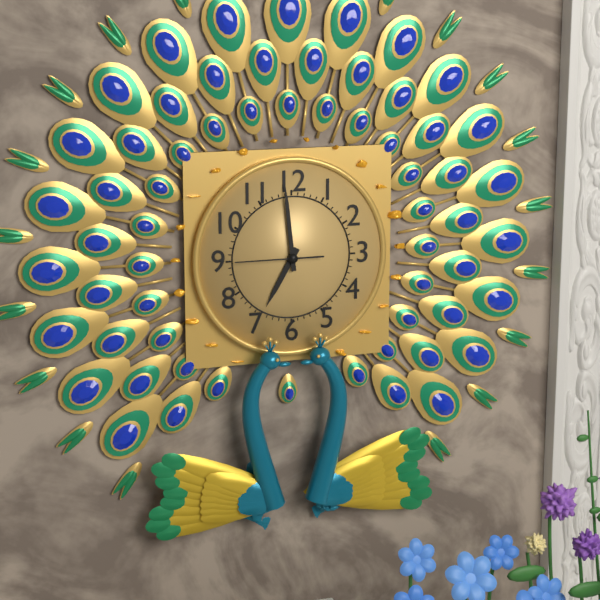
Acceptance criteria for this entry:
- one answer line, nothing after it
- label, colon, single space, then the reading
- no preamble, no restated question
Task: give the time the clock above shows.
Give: 6:59:45
